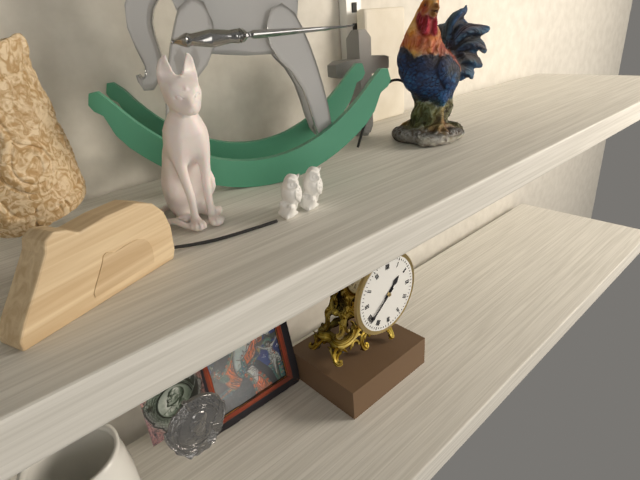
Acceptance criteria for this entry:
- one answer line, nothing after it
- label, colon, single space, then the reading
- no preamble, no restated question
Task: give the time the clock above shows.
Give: 1:39
